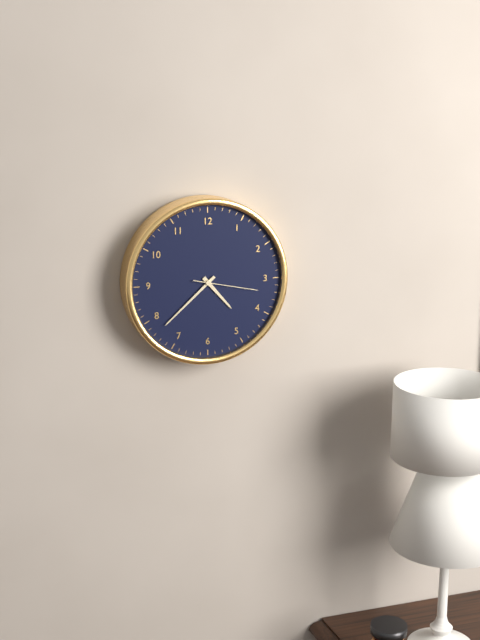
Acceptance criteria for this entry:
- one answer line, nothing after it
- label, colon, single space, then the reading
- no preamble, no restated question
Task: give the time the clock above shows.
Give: 4:38:17
